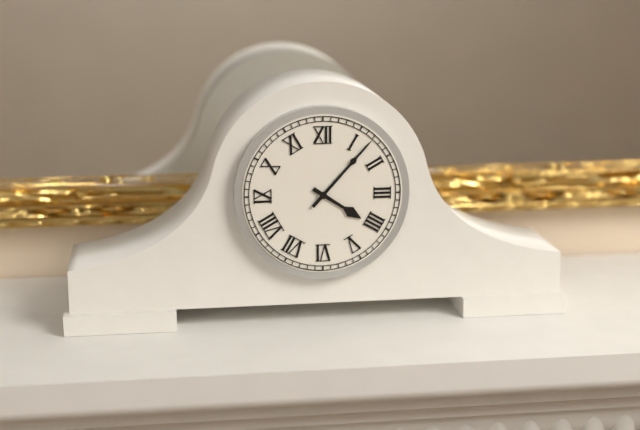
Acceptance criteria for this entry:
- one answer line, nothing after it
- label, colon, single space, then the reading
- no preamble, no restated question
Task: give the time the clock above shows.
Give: 4:07
